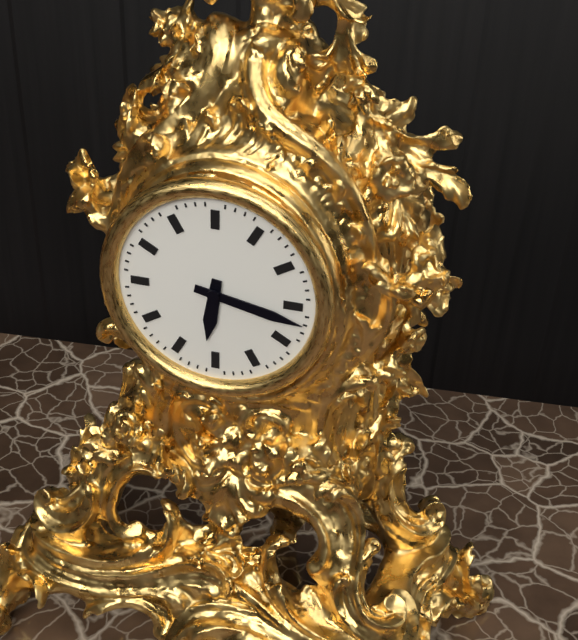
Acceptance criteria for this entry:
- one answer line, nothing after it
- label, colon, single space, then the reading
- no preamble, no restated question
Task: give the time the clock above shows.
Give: 6:17
